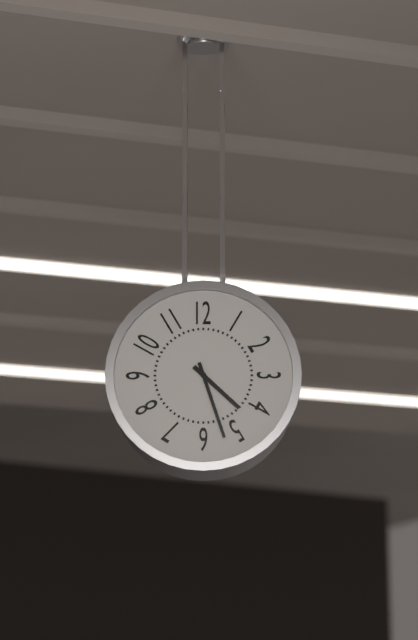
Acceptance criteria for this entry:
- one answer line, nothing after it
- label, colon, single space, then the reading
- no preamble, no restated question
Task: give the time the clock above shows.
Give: 4:27
